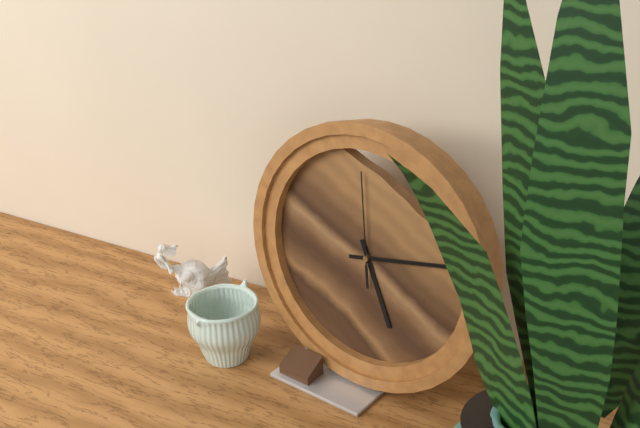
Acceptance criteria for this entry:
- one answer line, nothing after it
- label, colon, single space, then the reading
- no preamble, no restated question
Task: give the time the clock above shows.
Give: 5:13:59
